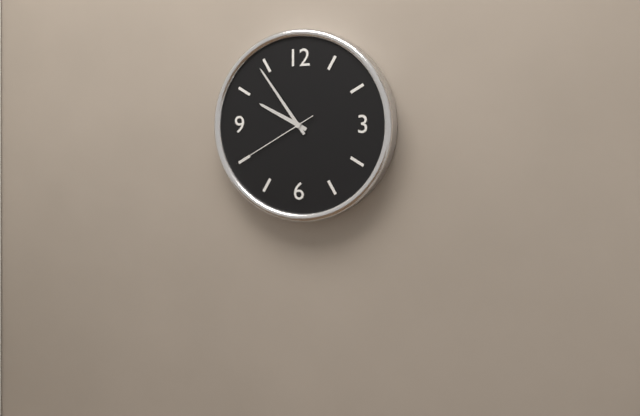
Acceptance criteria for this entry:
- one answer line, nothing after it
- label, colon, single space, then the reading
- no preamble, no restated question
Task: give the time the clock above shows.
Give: 9:54:40
